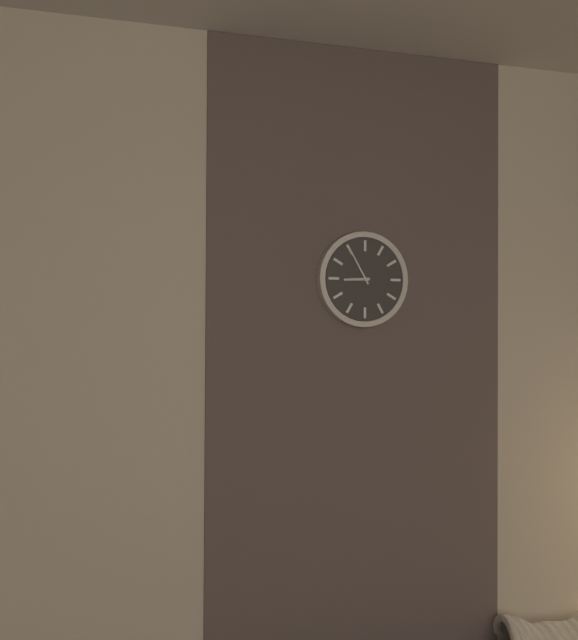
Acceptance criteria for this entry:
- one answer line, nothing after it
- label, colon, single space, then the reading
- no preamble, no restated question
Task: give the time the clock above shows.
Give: 8:55
